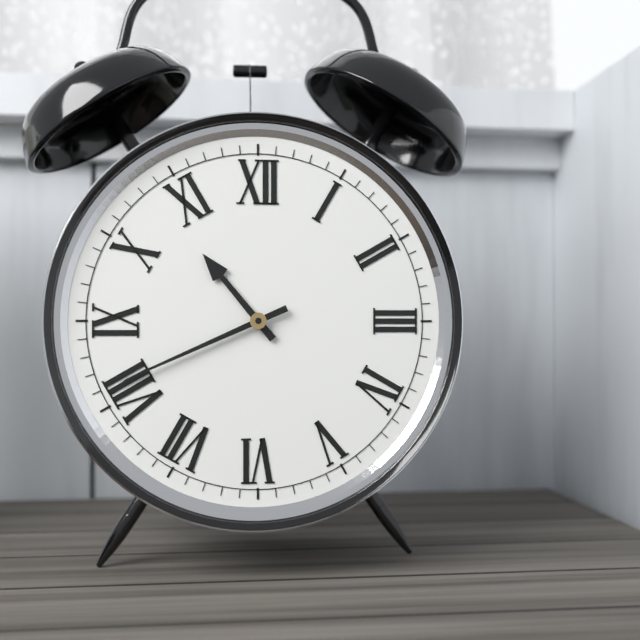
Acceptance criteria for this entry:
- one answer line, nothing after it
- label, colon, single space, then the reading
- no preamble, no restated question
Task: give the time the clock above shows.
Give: 10:41
